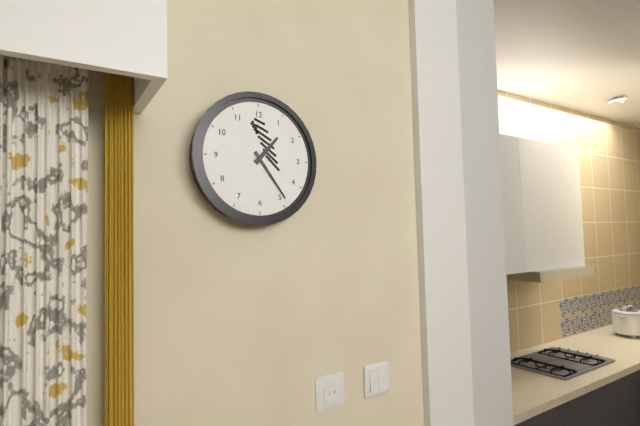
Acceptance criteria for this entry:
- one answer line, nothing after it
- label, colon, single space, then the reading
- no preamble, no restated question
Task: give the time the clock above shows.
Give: 1:24
